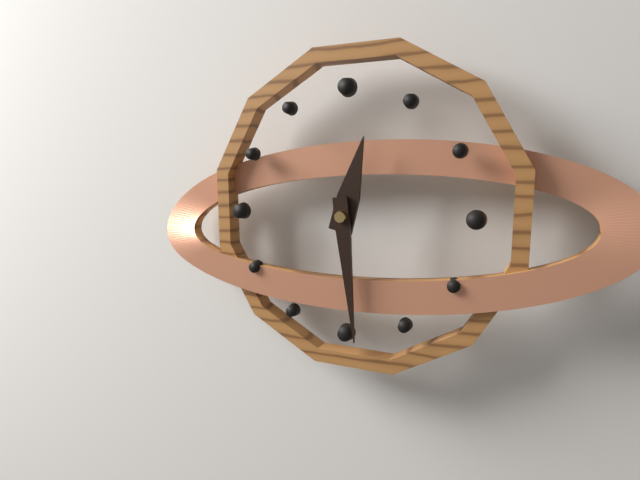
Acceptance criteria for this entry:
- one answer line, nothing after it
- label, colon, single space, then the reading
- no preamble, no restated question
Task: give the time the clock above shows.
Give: 12:29
